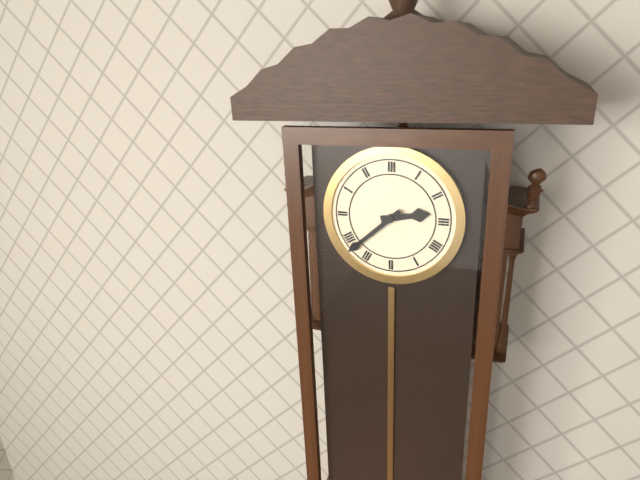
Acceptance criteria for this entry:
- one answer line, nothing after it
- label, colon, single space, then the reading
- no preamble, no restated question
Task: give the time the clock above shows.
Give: 2:38
